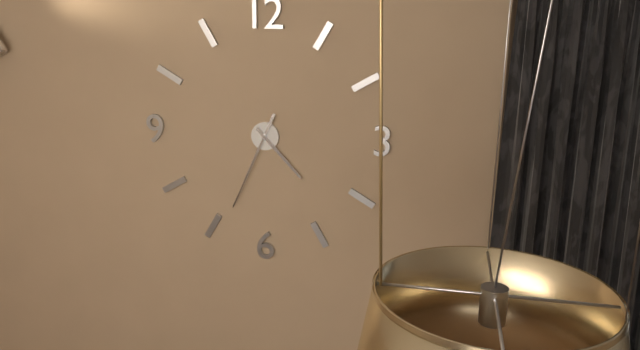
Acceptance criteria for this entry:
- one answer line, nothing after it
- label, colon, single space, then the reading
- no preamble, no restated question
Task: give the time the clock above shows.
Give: 4:34
